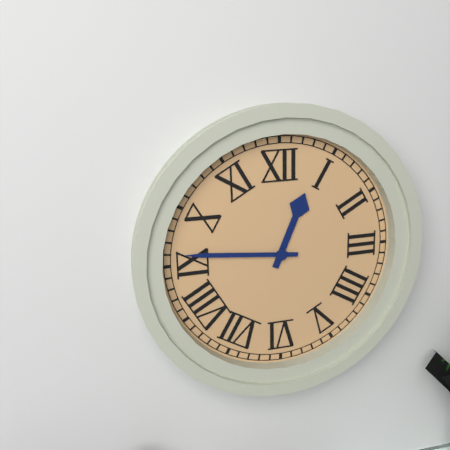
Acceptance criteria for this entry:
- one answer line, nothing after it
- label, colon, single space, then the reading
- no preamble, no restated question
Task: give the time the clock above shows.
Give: 12:46
